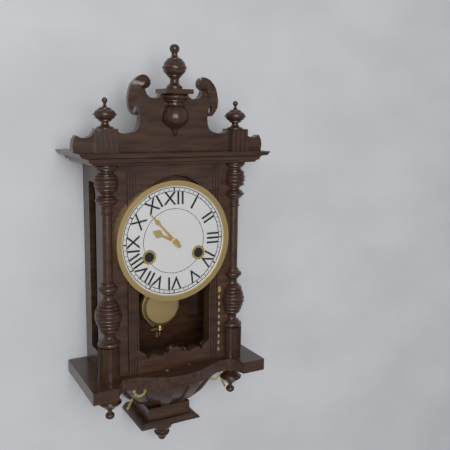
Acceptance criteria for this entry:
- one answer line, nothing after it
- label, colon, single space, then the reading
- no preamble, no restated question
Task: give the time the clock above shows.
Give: 9:53
